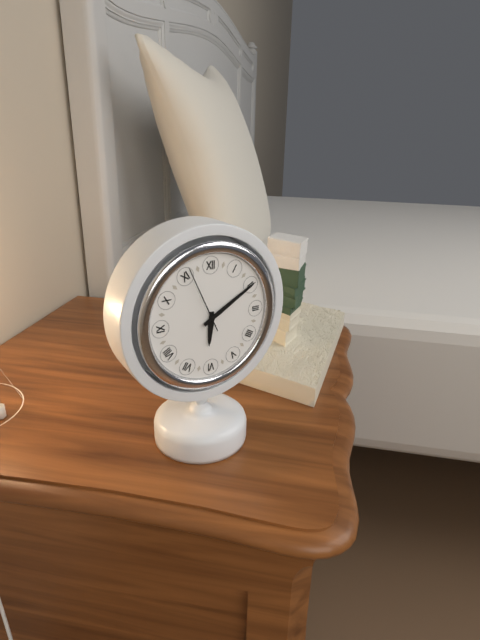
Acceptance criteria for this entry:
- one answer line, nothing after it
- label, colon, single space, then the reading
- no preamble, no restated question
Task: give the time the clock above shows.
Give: 6:10:56
